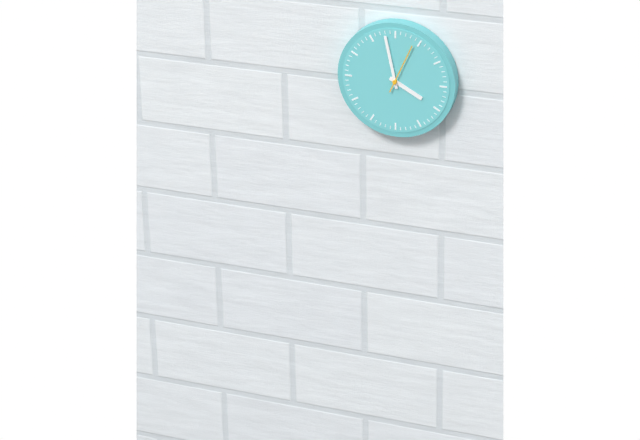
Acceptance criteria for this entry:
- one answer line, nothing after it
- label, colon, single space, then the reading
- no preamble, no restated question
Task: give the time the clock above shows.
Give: 3:58
